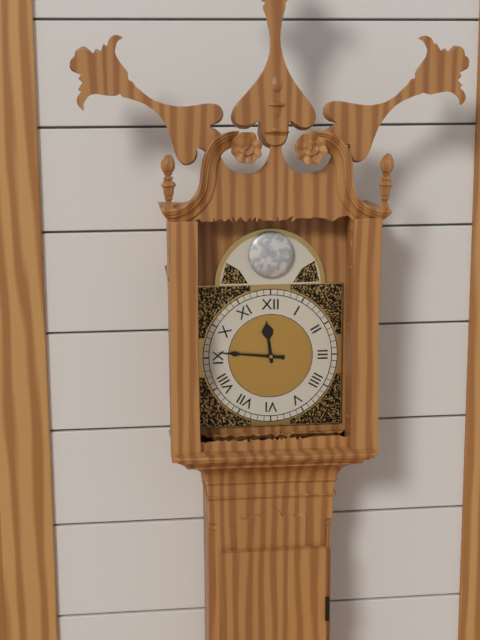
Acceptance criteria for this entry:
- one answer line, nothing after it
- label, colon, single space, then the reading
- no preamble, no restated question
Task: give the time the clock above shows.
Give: 11:46
